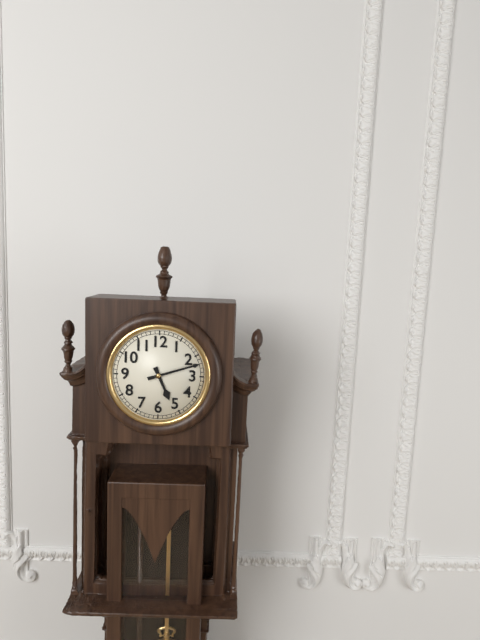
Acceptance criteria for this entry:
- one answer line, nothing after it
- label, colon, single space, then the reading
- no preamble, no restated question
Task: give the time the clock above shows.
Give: 5:12
